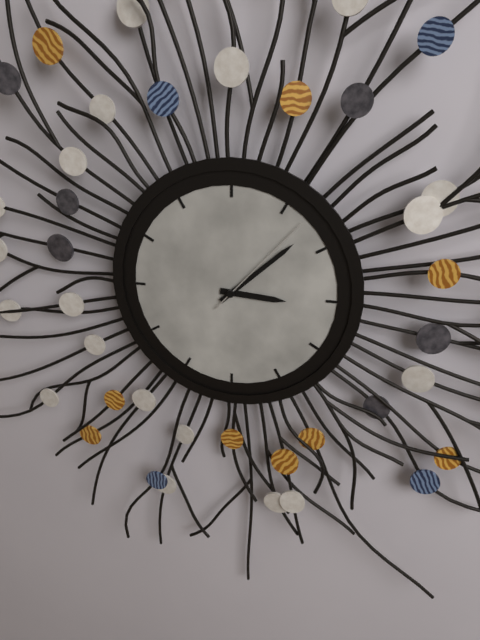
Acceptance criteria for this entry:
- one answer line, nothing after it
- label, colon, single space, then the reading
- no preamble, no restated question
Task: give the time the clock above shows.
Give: 3:08:07
